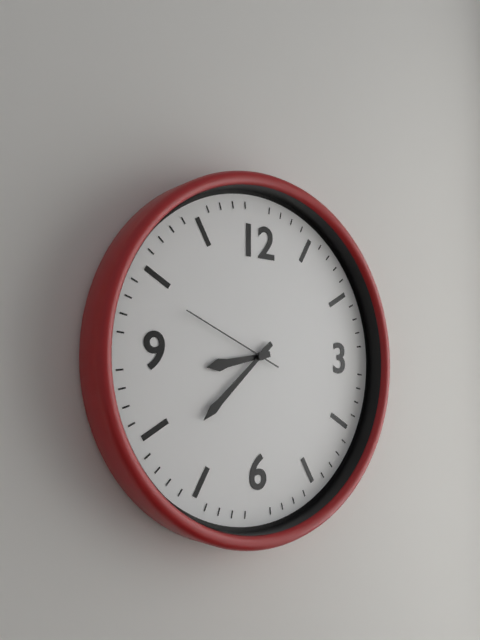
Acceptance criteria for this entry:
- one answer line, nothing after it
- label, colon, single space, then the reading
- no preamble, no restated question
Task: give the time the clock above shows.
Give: 8:38:49
